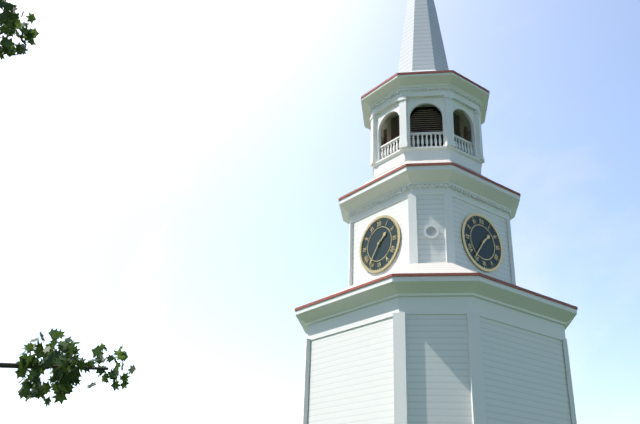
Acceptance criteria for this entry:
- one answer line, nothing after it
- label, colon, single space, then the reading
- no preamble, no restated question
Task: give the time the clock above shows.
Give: 1:36
